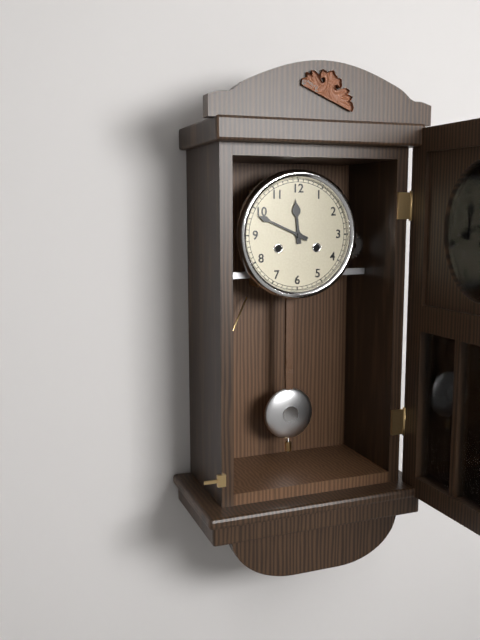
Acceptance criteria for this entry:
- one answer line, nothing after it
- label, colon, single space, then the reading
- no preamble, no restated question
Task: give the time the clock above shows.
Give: 11:49
